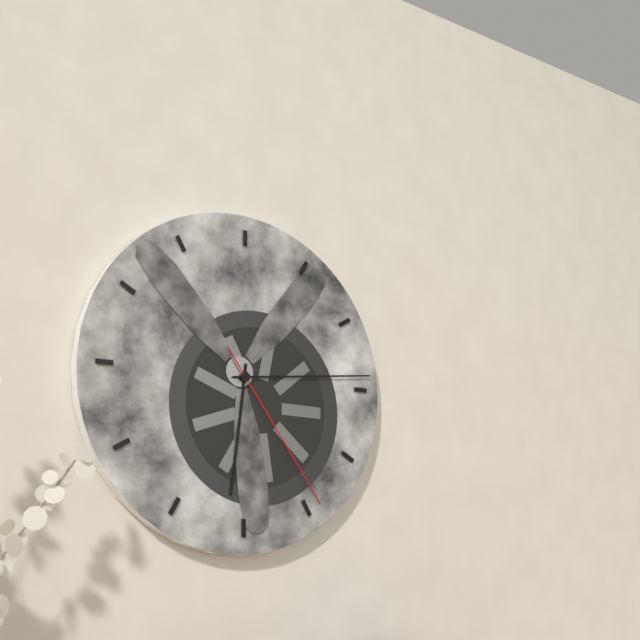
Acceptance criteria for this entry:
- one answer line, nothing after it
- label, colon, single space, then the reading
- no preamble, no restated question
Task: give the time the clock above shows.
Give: 6:14:24
